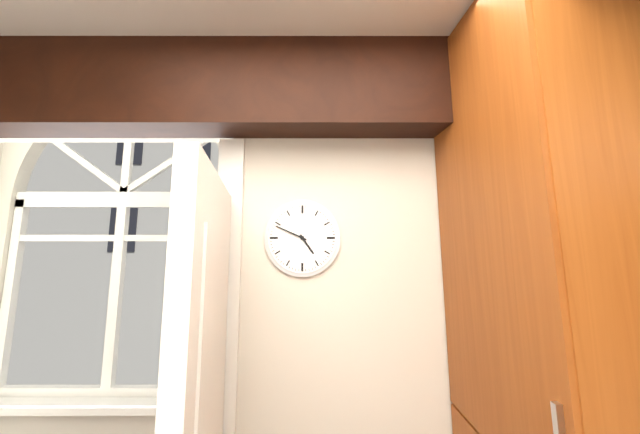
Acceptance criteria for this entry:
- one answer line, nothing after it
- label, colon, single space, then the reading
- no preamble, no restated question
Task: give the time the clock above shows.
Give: 4:49
